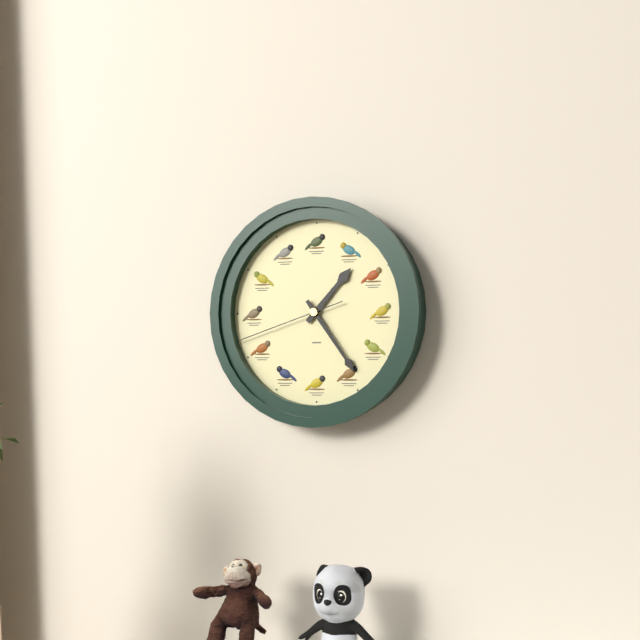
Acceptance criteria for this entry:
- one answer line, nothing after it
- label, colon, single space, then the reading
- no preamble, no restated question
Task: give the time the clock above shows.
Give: 1:24:42
